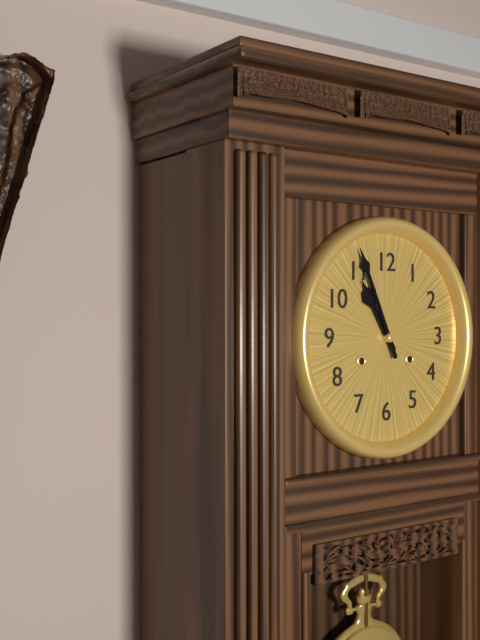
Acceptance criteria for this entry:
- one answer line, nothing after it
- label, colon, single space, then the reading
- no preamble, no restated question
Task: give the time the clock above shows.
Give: 10:56
